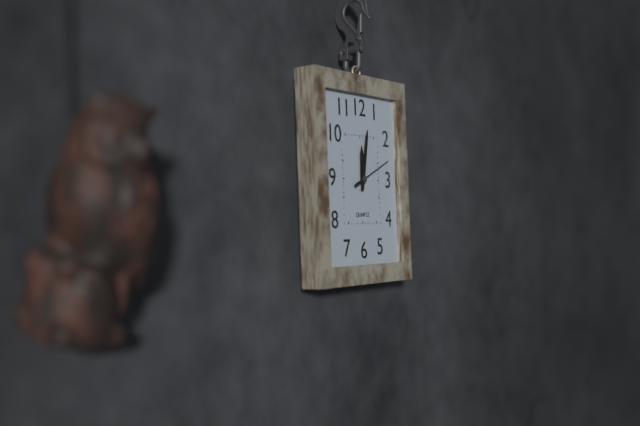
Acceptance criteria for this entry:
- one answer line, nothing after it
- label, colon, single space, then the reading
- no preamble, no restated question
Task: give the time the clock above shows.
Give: 12:02
